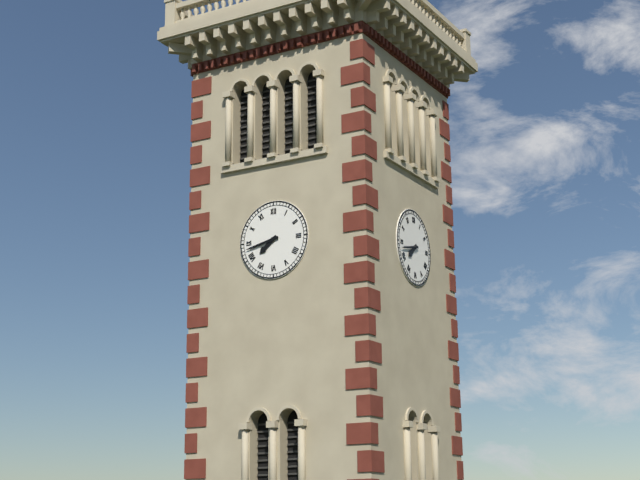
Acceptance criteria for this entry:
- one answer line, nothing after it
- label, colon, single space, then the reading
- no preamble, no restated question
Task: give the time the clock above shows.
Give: 7:43
